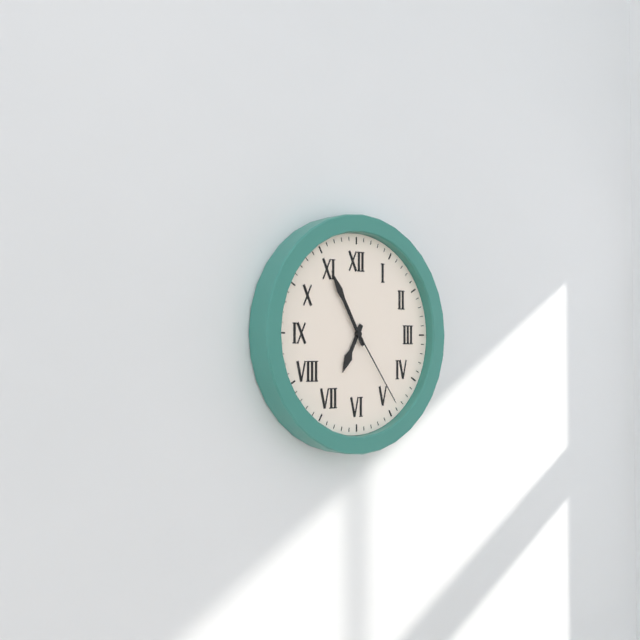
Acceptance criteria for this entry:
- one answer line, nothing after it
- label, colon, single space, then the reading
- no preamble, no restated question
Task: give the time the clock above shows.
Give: 6:55:24
